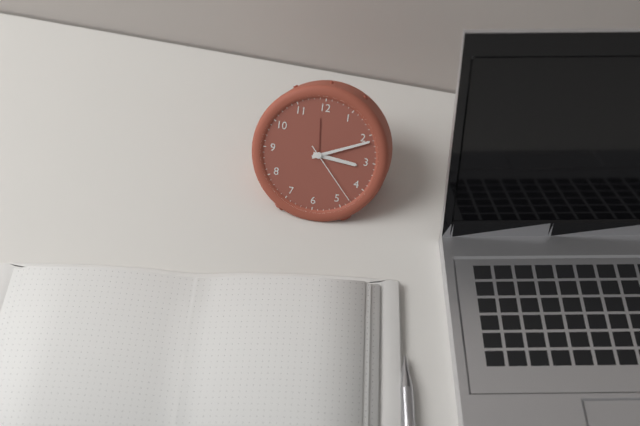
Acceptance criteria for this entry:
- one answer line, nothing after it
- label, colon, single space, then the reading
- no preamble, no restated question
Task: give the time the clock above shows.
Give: 3:11:23
